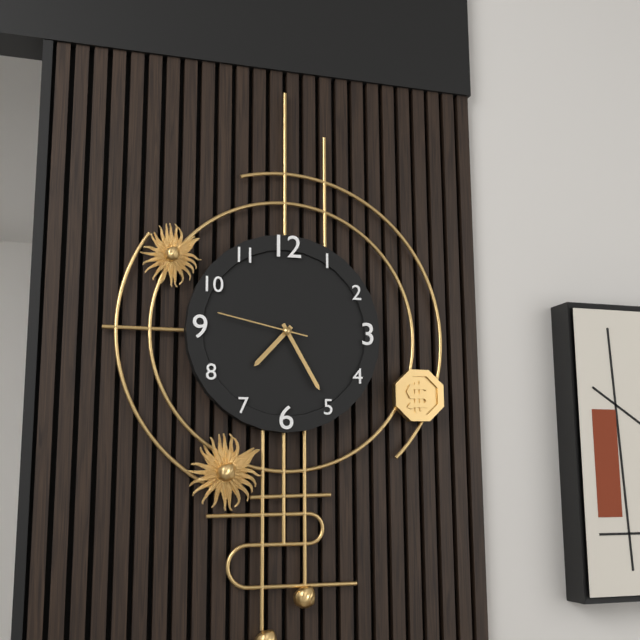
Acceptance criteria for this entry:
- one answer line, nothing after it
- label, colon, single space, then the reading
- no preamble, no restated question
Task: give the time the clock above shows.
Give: 7:25:47
